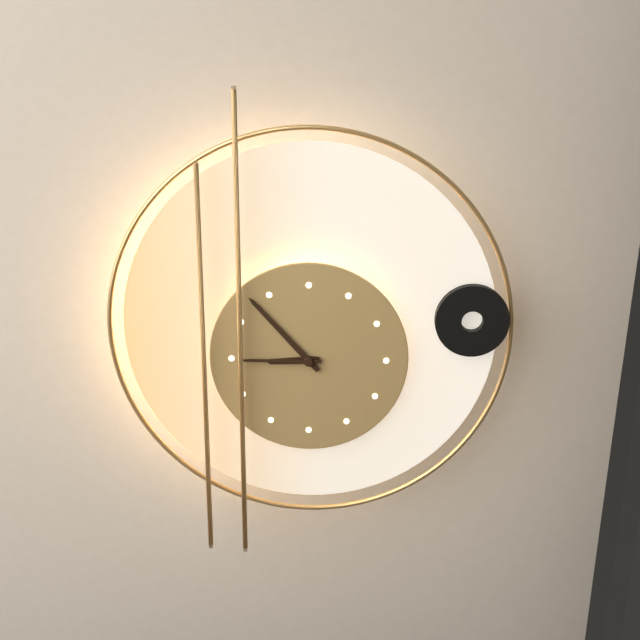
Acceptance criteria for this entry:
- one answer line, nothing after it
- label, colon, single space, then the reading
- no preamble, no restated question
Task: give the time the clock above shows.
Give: 8:53:45
